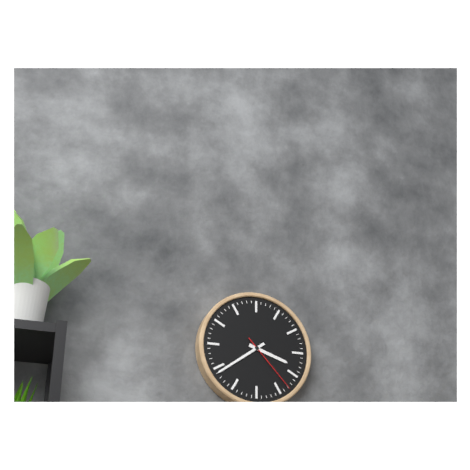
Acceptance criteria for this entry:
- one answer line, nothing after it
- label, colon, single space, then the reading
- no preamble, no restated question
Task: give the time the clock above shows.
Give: 3:39:23
